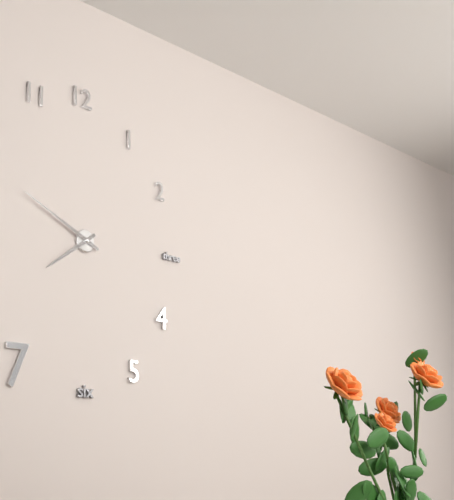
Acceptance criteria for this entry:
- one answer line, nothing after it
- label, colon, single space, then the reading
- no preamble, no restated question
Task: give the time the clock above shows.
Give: 7:49
